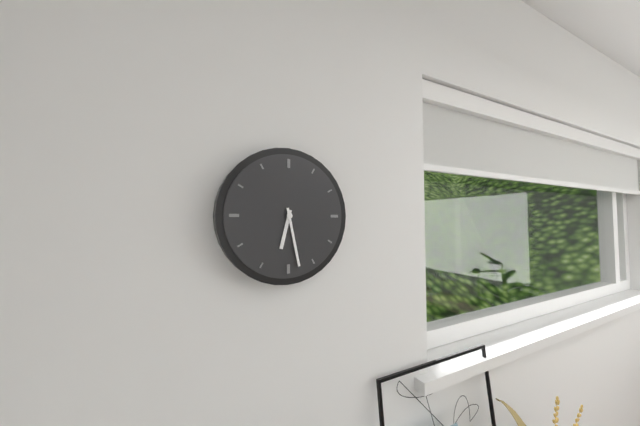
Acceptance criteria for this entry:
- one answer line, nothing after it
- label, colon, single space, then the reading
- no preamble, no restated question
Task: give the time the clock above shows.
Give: 6:28
